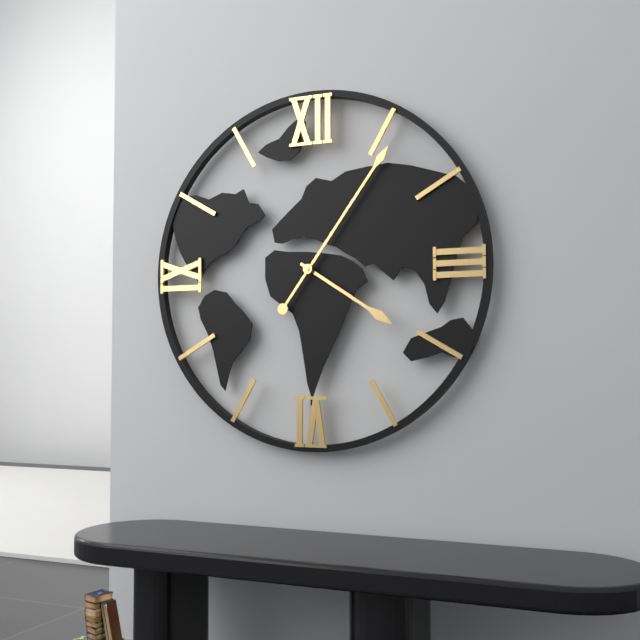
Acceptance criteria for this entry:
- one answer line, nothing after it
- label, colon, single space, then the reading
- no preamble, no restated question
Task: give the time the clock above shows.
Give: 4:06
